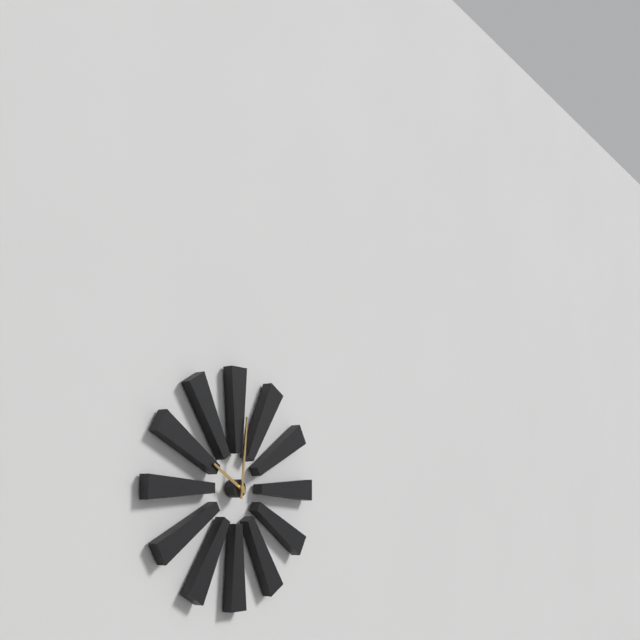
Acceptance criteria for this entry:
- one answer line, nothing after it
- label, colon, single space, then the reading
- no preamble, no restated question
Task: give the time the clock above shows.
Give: 10:01
